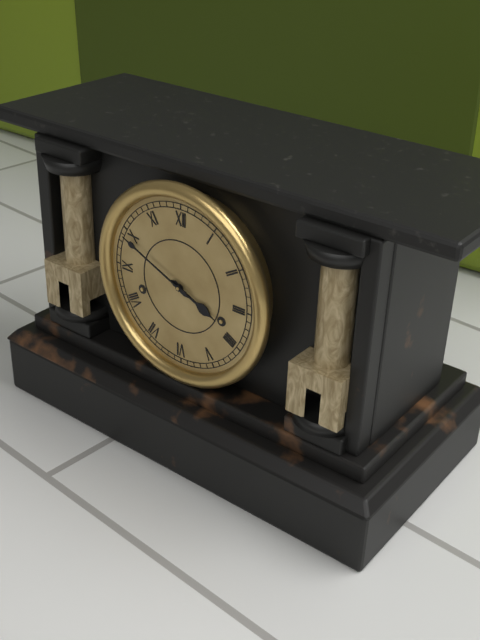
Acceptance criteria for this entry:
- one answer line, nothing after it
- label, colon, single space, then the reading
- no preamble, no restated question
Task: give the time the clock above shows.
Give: 3:49
